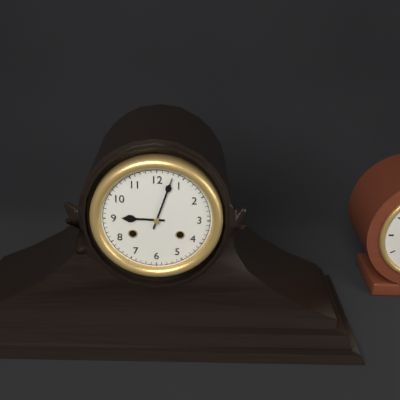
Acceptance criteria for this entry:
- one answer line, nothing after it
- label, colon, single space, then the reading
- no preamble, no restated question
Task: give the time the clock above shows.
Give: 9:03
